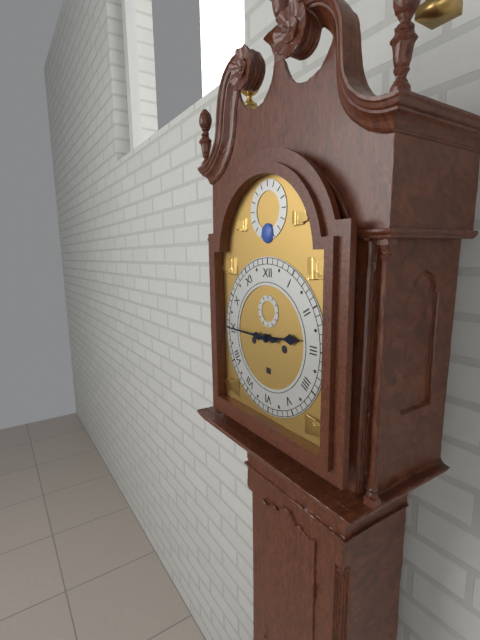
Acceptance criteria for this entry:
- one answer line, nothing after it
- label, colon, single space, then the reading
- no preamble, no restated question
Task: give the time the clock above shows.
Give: 2:45
